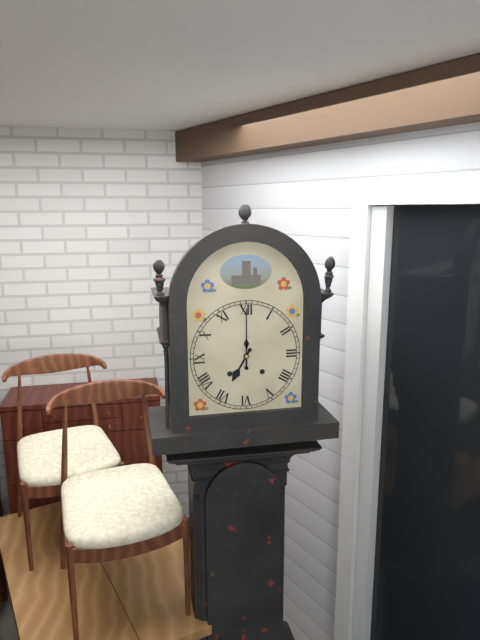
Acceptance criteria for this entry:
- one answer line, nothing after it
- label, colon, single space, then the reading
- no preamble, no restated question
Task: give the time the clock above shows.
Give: 7:00
